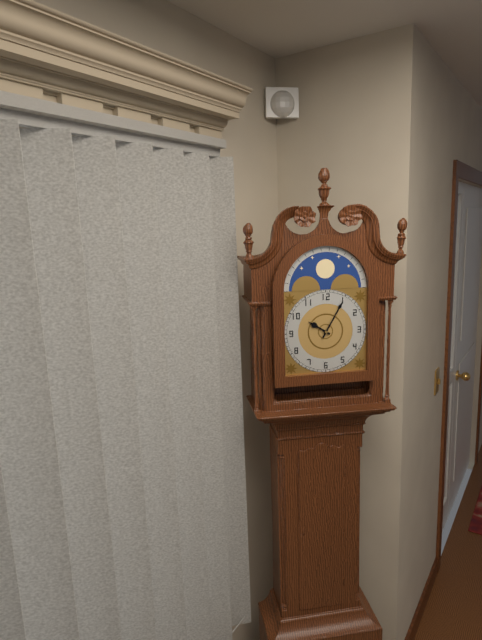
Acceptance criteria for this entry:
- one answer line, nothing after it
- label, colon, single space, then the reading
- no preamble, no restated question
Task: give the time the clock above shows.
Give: 10:05
